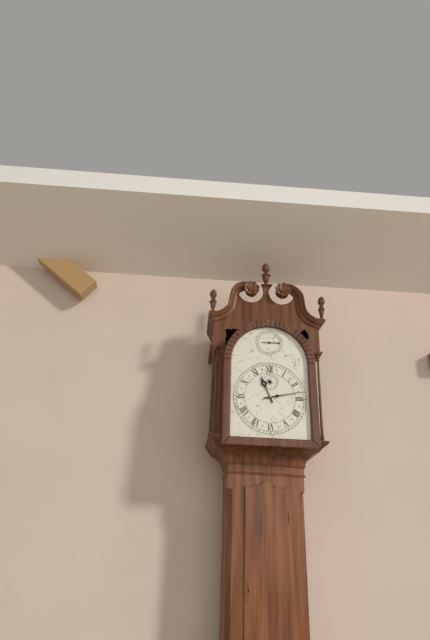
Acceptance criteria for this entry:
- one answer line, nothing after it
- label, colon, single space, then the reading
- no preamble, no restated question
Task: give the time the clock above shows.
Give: 11:13
